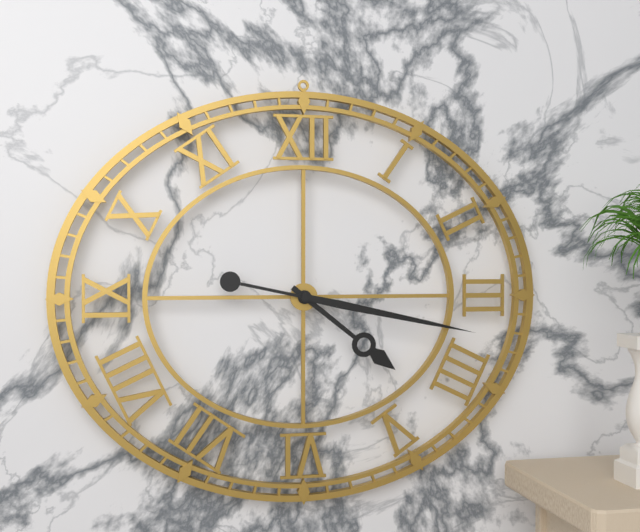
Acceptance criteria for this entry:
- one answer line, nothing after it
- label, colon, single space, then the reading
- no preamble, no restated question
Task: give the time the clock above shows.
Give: 4:17
